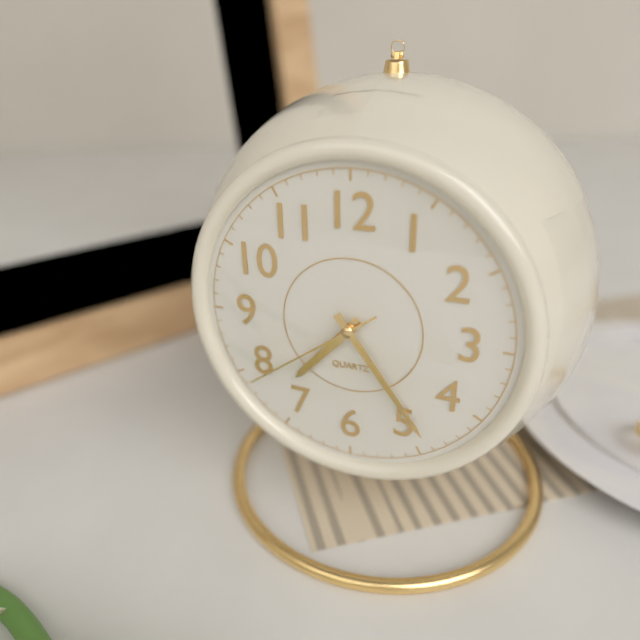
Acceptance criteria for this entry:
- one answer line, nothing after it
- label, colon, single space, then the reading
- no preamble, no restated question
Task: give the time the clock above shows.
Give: 7:24:39
